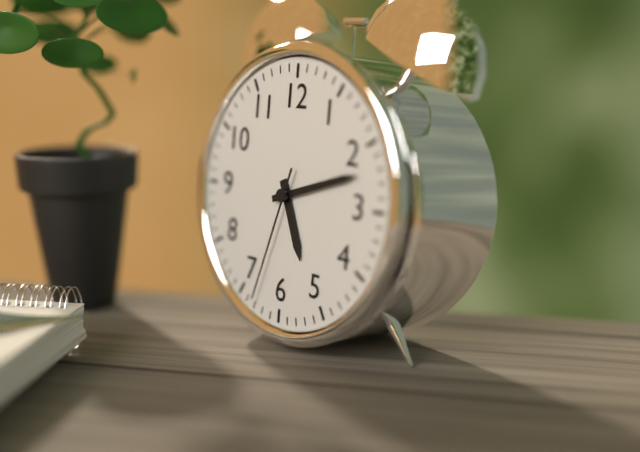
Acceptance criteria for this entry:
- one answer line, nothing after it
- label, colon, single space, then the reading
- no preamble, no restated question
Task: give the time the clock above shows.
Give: 5:12:33
